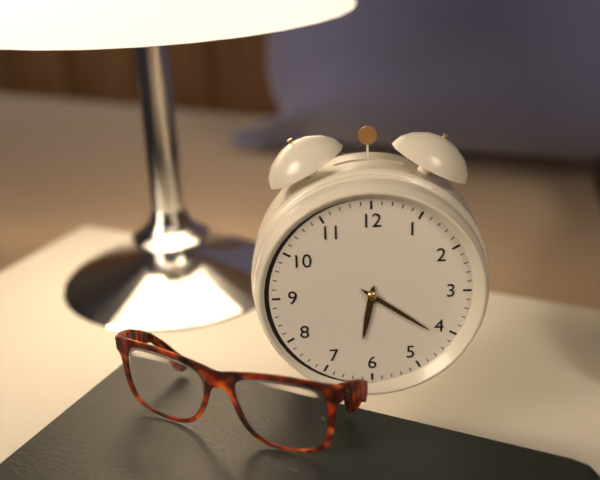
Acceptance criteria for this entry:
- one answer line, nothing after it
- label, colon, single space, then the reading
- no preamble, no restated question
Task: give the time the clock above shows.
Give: 6:21
